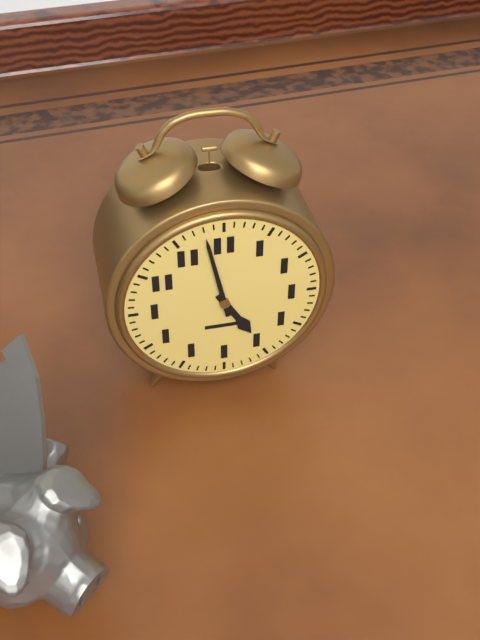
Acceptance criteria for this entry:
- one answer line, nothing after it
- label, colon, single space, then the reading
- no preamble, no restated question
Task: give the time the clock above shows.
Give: 4:58
